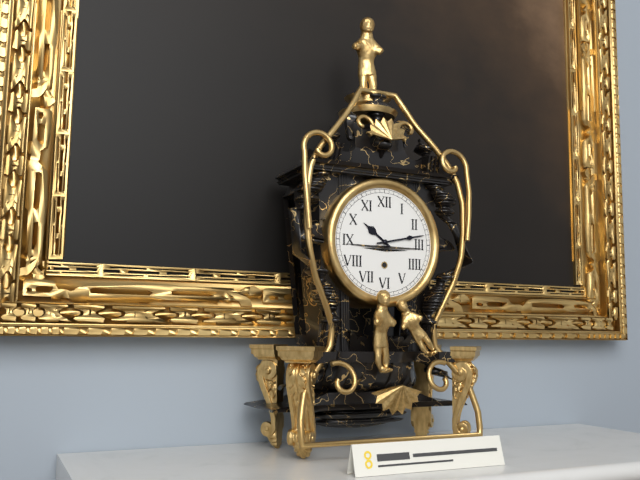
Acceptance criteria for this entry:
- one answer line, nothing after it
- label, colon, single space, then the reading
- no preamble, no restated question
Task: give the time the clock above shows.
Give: 10:13
